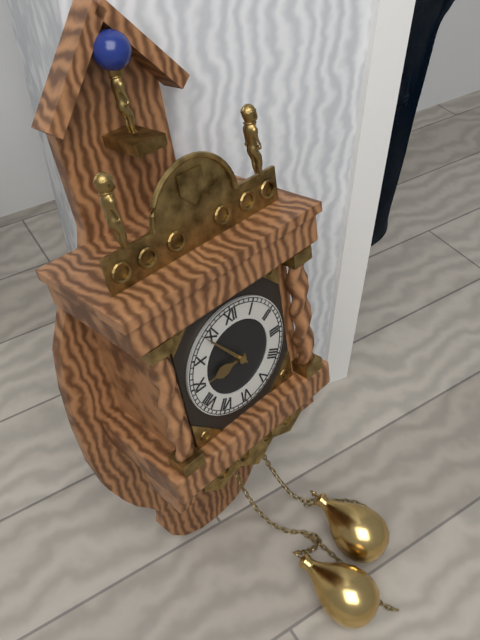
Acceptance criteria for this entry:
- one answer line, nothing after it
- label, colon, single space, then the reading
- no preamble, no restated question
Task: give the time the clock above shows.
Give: 8:54
